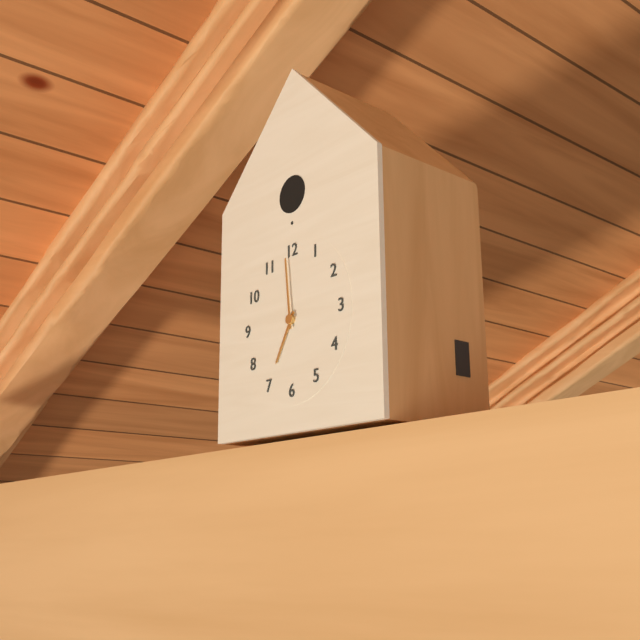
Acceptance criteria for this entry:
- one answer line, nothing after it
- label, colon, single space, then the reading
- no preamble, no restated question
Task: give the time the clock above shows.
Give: 6:59
